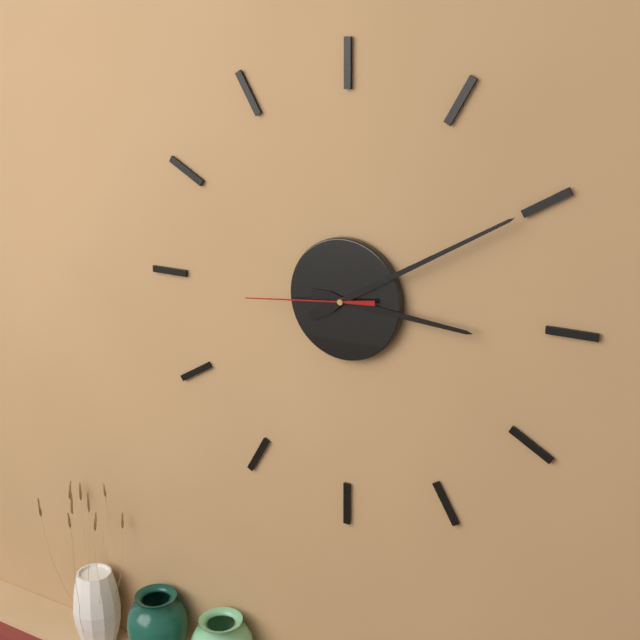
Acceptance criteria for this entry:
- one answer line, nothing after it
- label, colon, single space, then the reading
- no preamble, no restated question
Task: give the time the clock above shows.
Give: 3:10:44
